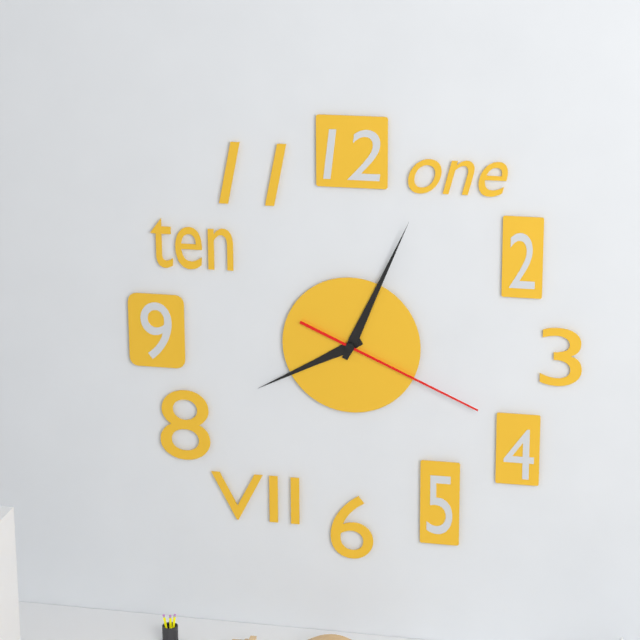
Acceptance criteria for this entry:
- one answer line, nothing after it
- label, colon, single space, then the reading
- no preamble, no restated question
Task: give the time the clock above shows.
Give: 8:04:19
